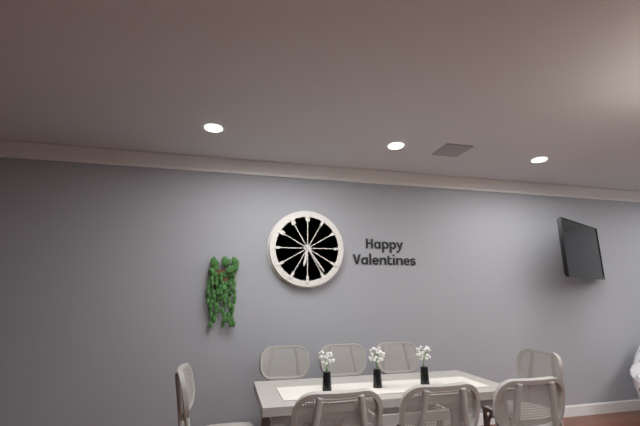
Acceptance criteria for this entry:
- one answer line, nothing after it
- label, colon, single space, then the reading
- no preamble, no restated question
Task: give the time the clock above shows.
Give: 6:24
